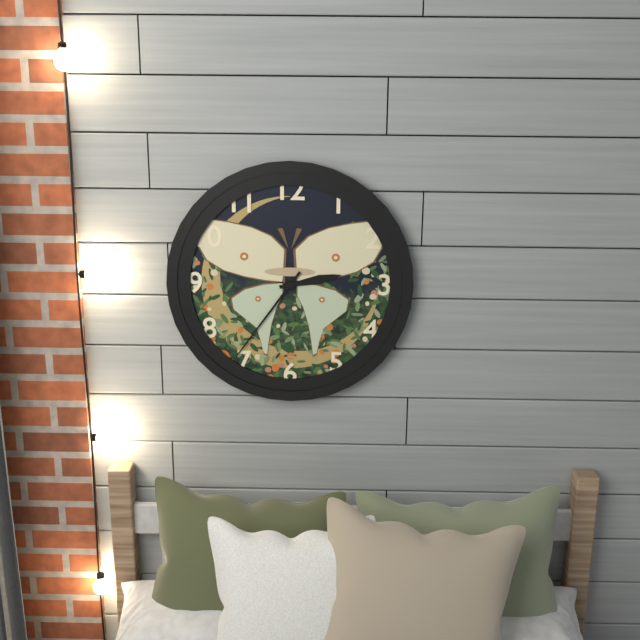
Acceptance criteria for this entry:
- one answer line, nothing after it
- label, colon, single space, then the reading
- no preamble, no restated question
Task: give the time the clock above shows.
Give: 2:36
